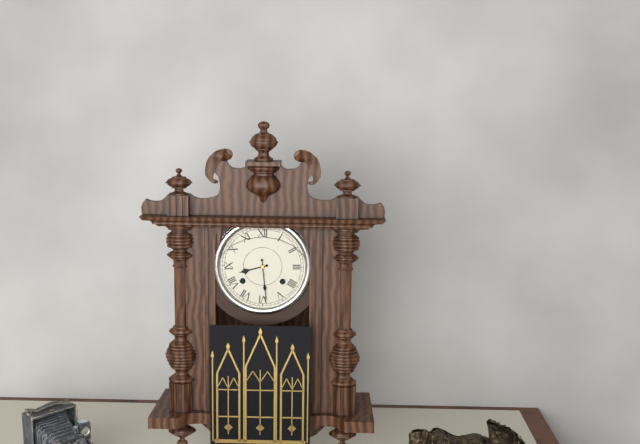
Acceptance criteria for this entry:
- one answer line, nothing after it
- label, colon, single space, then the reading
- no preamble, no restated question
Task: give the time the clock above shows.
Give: 8:29
